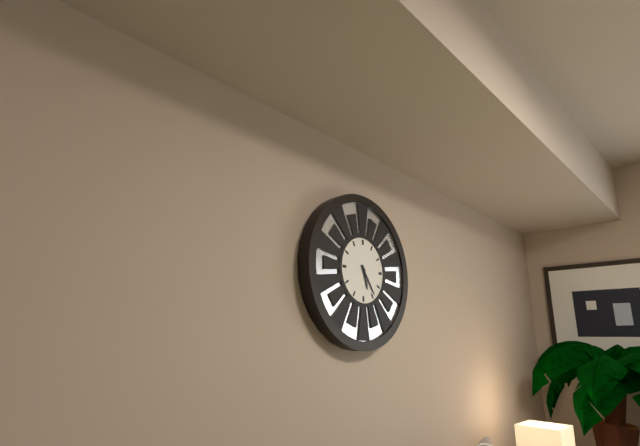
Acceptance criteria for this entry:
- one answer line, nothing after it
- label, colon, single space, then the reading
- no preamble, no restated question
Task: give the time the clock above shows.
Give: 5:24
